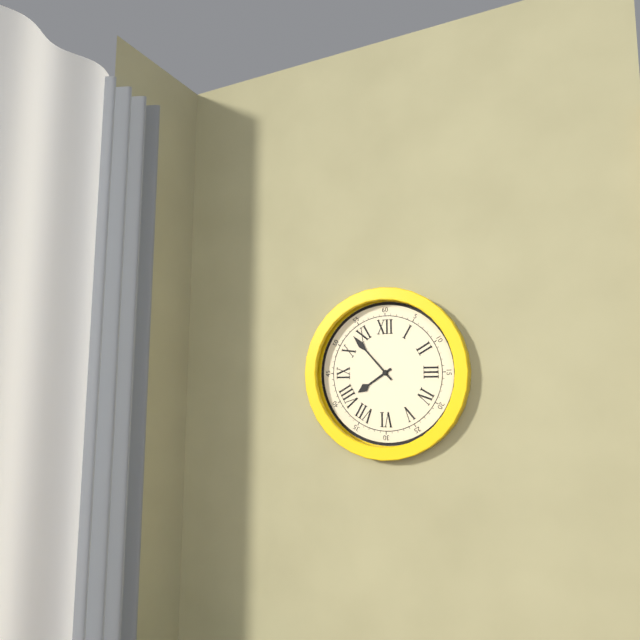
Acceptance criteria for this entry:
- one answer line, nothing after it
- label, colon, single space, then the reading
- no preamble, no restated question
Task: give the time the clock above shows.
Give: 7:53
